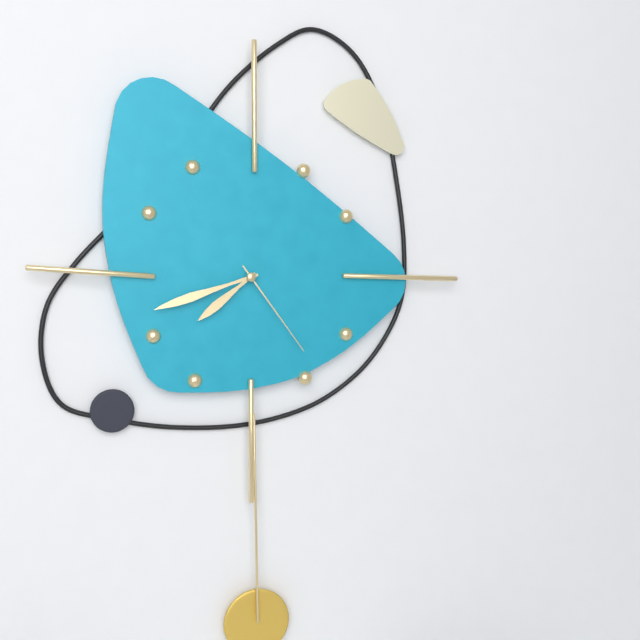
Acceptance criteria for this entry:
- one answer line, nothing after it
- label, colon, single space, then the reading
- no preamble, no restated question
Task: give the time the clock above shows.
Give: 7:42:24
